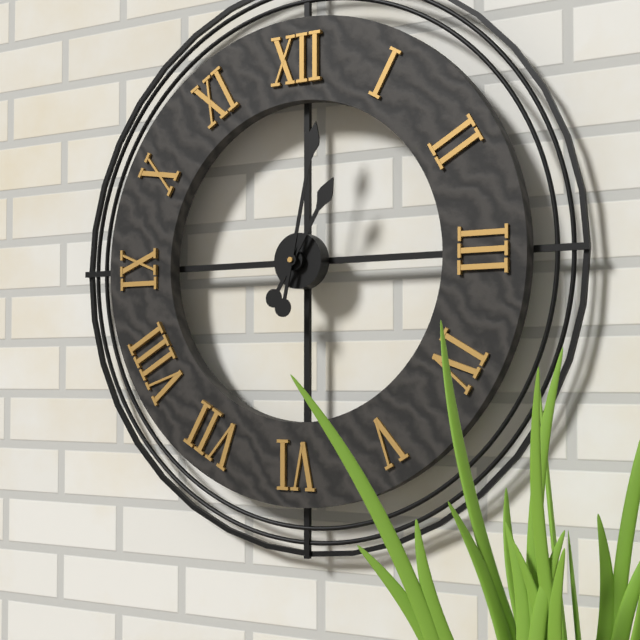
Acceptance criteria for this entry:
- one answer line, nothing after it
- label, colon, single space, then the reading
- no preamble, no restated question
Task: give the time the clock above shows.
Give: 1:02
